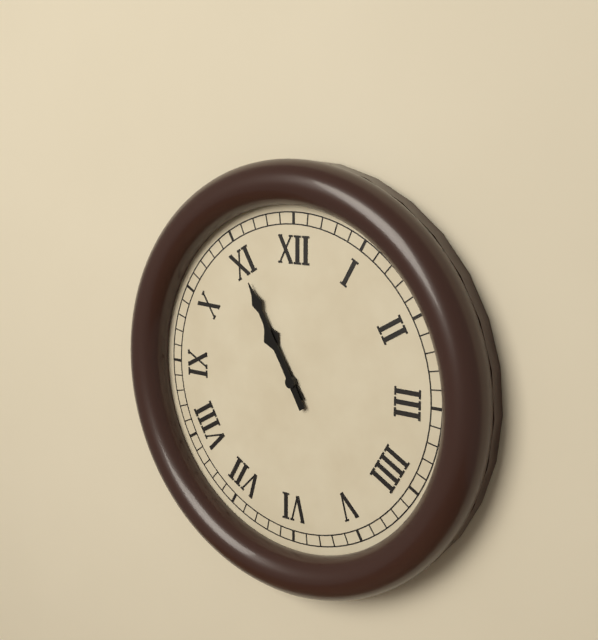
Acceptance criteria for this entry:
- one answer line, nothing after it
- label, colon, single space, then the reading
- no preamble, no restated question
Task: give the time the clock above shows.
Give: 10:55
